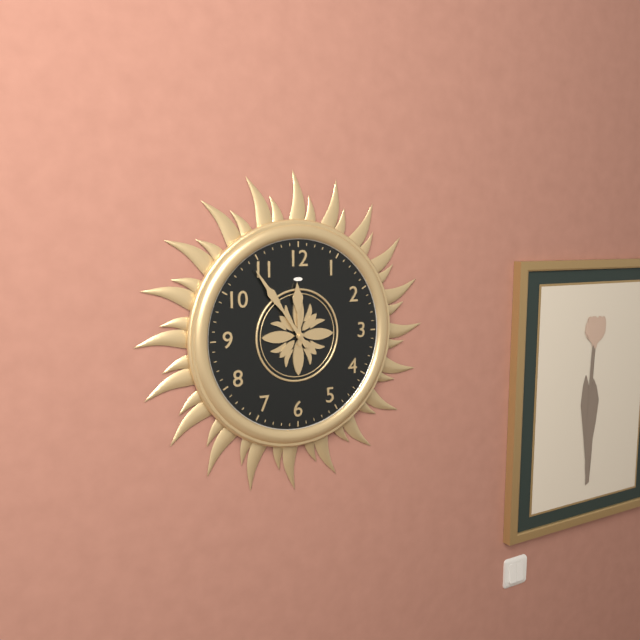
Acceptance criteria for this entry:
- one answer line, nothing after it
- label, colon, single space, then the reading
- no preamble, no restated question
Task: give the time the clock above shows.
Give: 11:54
